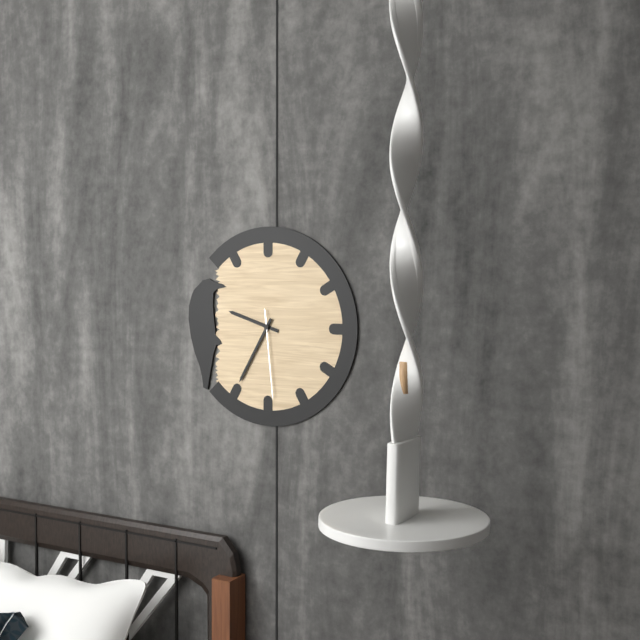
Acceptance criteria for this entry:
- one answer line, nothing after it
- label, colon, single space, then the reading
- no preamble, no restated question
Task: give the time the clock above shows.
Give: 9:35:29
